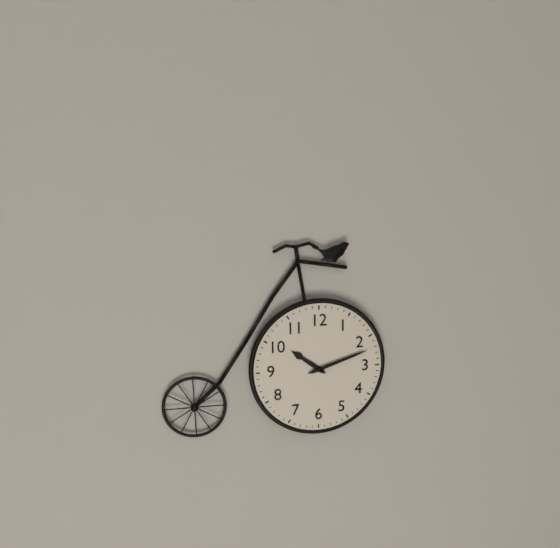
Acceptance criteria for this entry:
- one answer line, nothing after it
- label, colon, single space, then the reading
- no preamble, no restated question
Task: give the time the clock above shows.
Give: 10:12
